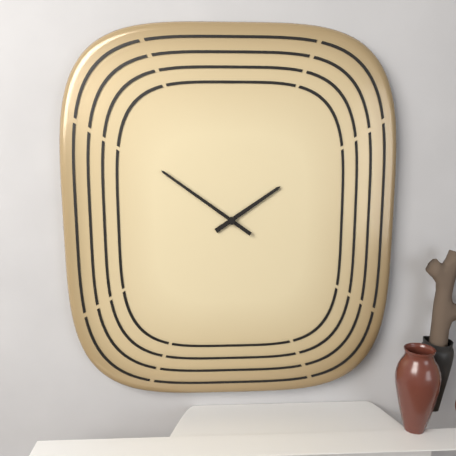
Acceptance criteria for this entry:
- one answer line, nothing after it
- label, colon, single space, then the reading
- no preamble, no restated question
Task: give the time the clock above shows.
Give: 1:51
